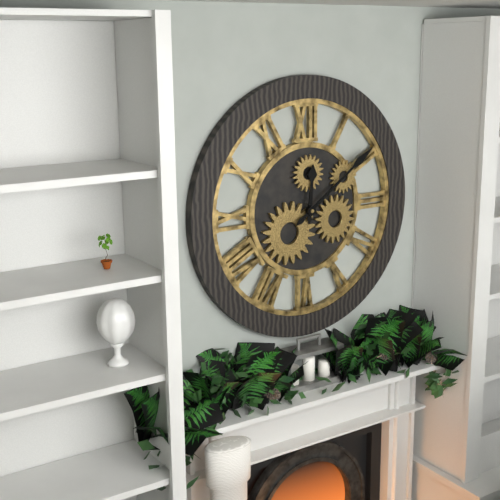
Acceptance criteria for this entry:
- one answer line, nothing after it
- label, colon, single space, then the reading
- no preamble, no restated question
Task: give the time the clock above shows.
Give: 12:09
